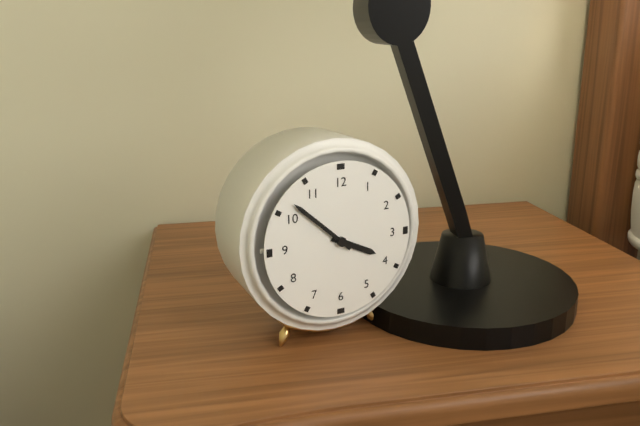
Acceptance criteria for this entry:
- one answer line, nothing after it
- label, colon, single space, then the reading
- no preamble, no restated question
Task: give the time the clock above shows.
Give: 3:52
